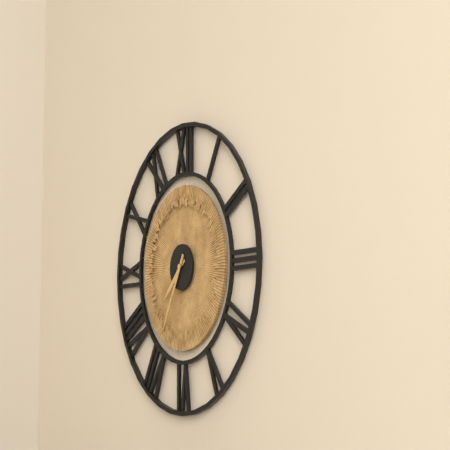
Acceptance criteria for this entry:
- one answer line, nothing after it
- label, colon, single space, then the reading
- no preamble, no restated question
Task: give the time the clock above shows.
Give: 7:35
